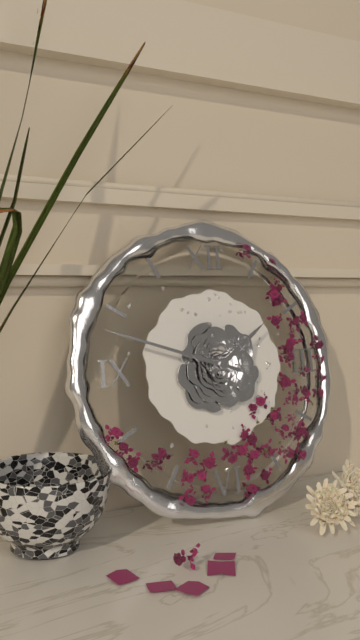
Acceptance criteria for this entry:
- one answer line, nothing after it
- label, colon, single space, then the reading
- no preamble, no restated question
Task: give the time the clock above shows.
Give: 1:48
